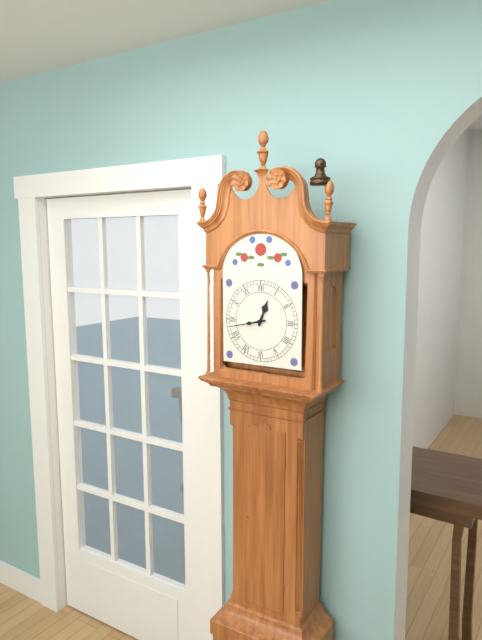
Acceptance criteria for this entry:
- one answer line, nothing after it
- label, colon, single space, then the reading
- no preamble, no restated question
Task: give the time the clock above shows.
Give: 12:43
